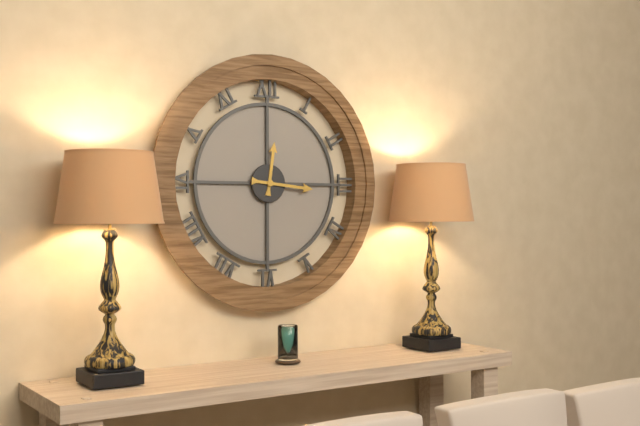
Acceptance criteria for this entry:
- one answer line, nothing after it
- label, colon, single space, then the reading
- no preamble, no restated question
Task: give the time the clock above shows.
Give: 12:16
